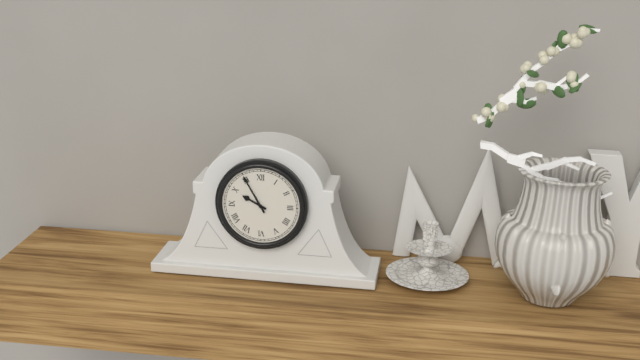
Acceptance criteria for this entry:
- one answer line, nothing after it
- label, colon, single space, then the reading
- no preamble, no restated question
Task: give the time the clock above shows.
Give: 9:55
